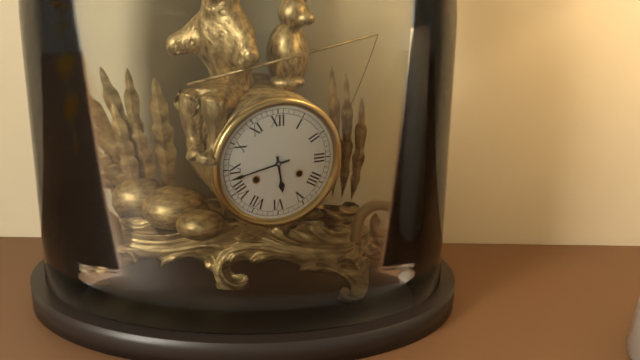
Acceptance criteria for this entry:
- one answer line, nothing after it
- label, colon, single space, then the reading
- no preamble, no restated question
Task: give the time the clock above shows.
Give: 5:43
